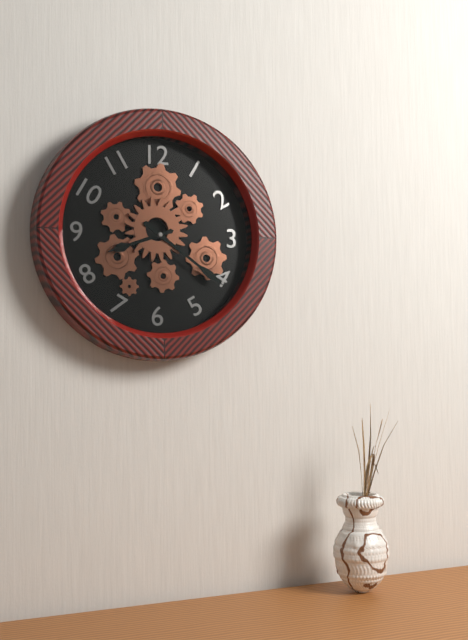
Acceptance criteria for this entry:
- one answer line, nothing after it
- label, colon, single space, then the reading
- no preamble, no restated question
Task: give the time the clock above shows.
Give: 8:21
